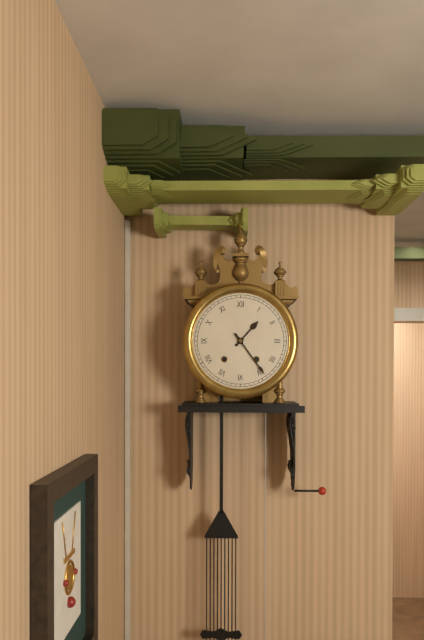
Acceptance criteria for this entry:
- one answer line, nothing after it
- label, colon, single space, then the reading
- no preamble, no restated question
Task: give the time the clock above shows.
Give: 1:24
